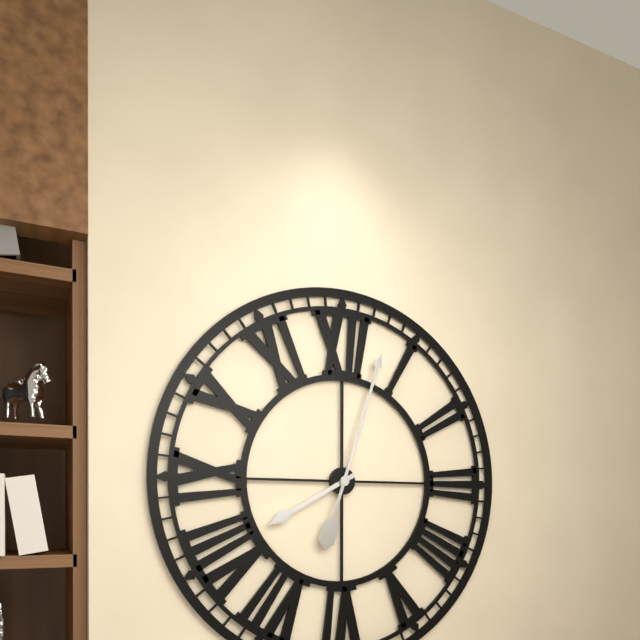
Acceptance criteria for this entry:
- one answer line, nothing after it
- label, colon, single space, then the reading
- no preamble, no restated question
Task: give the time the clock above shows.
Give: 8:03
